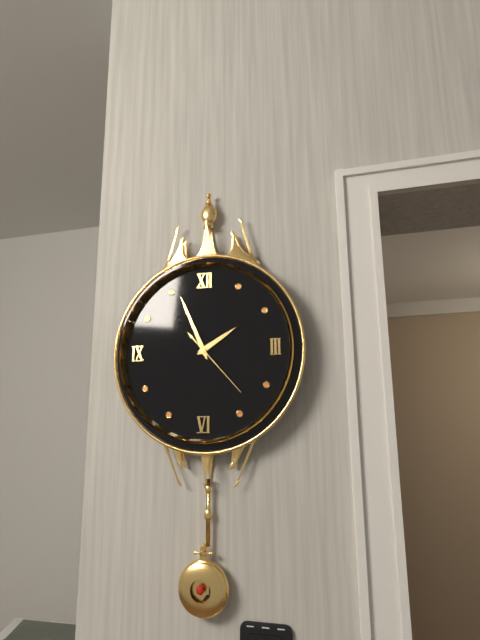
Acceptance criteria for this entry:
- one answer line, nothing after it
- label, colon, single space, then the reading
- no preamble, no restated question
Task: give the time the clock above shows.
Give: 1:56:23
